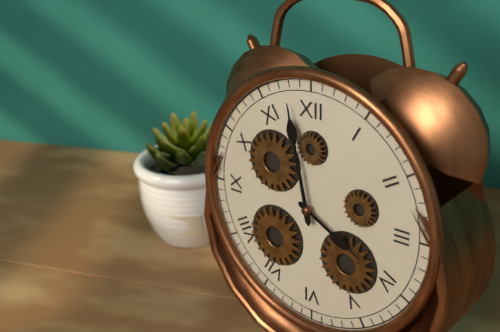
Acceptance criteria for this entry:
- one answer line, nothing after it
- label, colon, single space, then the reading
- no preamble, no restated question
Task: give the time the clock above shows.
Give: 3:58
